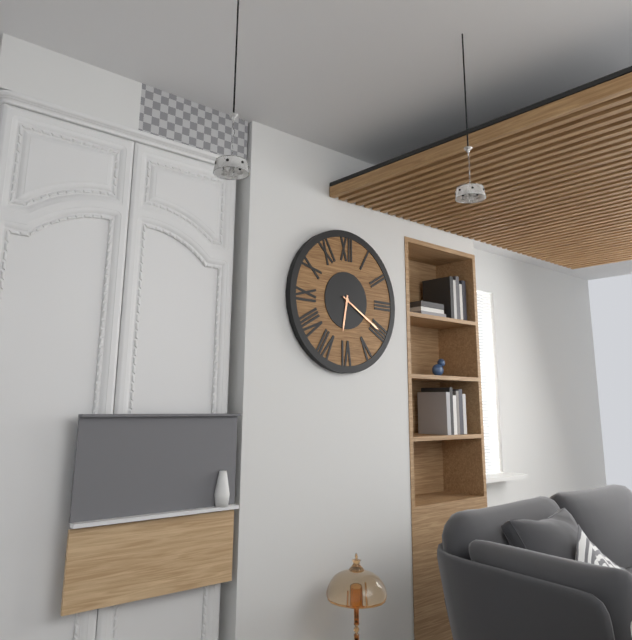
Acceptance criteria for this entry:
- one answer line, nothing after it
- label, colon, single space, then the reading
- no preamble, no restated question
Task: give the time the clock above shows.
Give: 6:20
